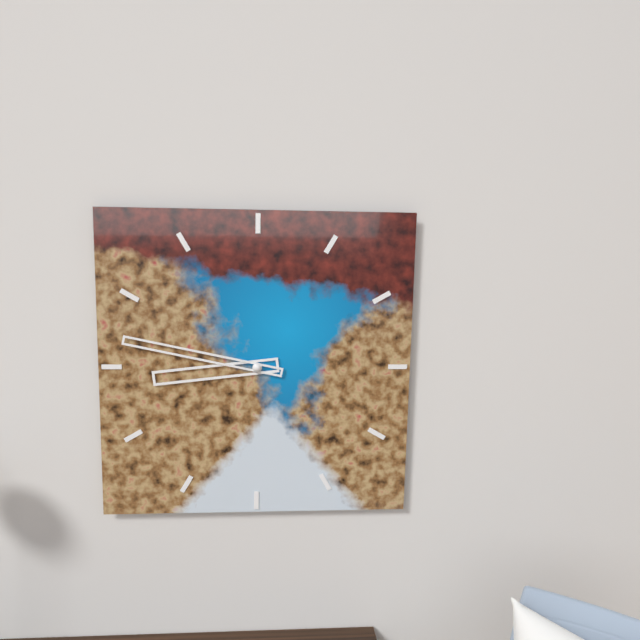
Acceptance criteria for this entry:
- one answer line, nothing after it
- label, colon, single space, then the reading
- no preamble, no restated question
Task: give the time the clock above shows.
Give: 8:47
